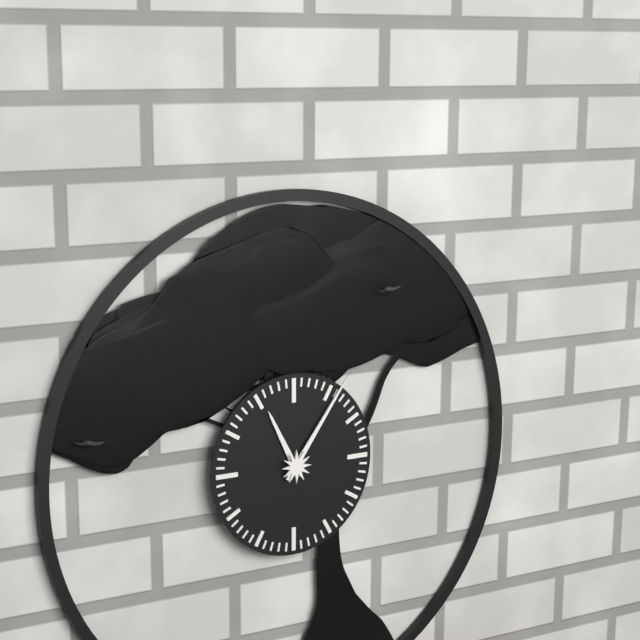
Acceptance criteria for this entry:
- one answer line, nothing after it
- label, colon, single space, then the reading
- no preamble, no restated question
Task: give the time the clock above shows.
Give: 11:06
